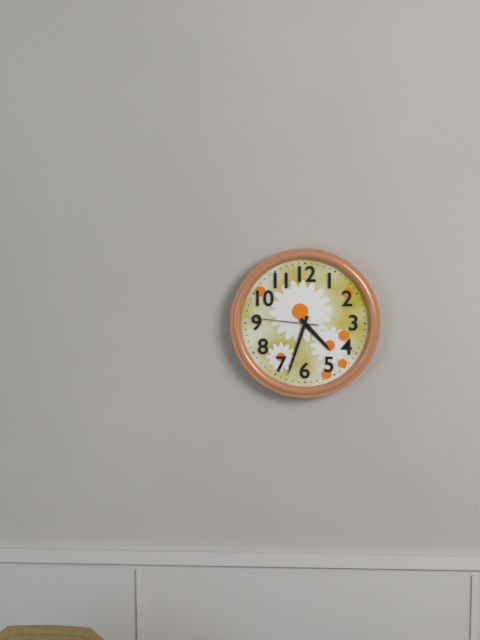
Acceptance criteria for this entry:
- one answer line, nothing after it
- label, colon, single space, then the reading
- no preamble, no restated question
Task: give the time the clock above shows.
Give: 4:33:46
